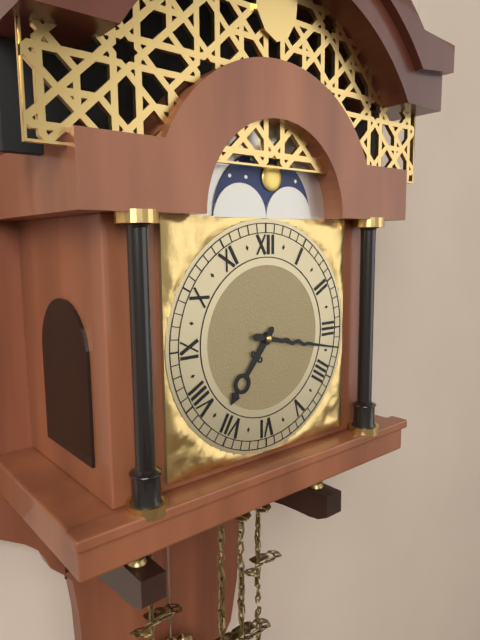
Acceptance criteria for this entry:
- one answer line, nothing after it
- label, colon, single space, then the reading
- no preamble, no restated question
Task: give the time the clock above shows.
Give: 7:17
